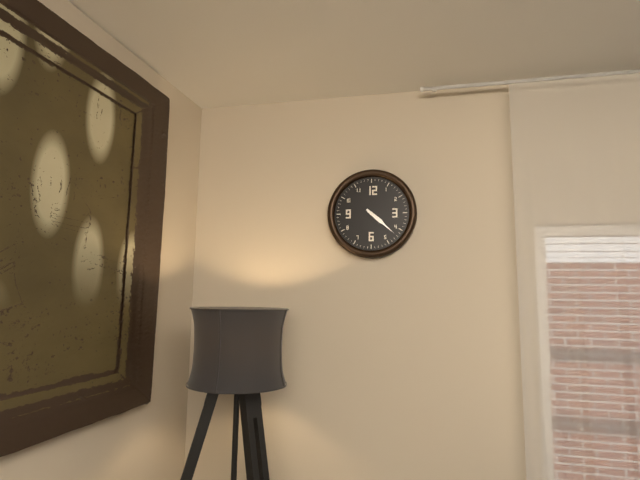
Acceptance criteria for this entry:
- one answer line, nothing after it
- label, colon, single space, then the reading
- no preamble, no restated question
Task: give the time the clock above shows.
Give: 4:22
